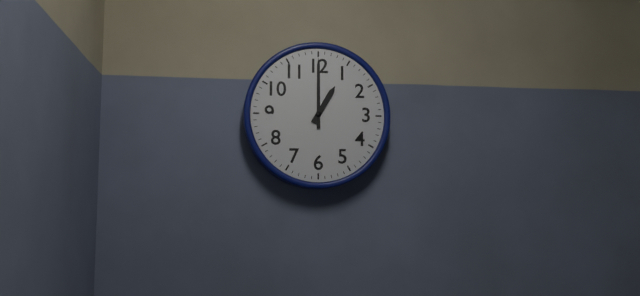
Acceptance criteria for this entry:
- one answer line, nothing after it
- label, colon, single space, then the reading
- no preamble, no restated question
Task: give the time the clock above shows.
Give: 1:00
